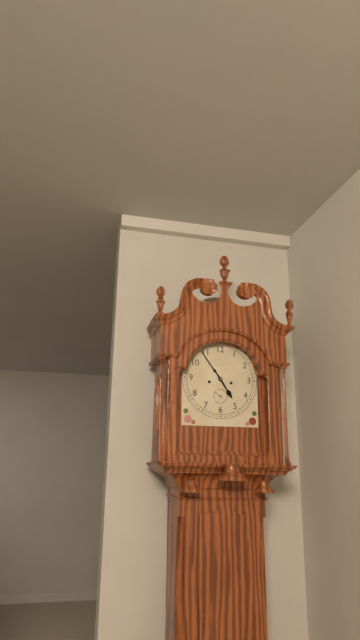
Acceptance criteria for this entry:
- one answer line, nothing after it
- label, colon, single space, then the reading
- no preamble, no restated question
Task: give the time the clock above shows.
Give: 4:54
